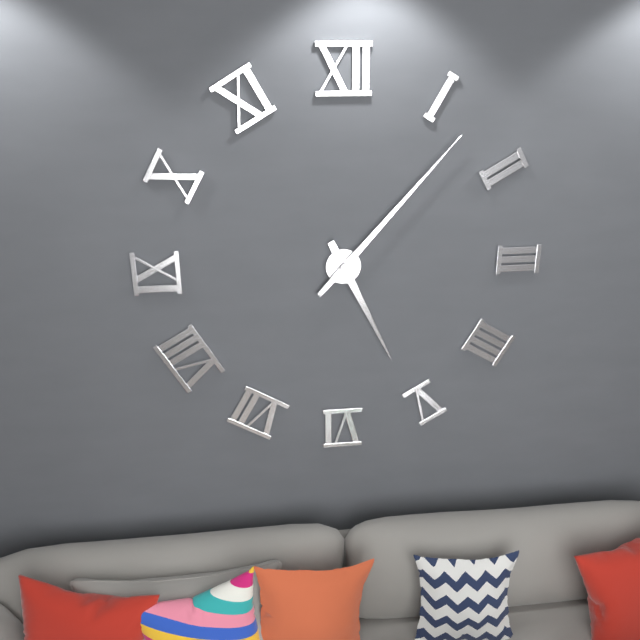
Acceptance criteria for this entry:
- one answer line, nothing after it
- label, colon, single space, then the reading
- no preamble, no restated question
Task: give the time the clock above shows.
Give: 5:07
